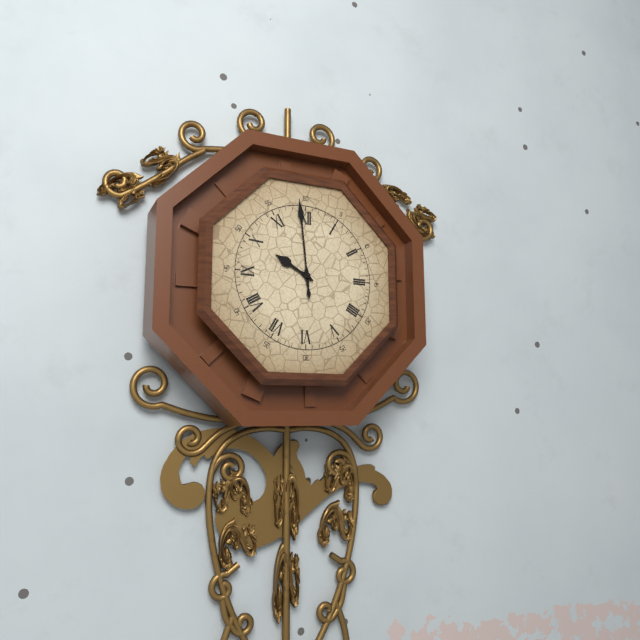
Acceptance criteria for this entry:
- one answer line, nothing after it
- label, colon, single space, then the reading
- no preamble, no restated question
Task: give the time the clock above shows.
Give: 9:59
